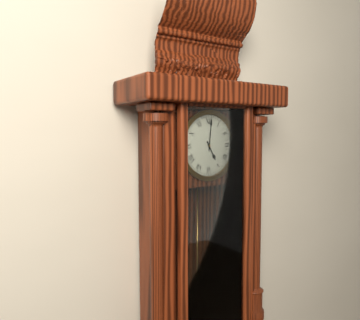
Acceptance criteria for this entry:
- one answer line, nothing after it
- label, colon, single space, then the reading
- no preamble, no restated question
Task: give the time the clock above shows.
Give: 5:01
